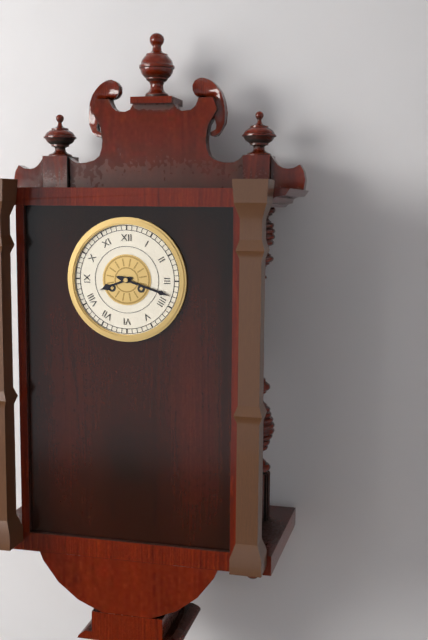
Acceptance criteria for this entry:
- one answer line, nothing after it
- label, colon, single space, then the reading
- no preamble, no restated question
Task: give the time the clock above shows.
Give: 8:18
